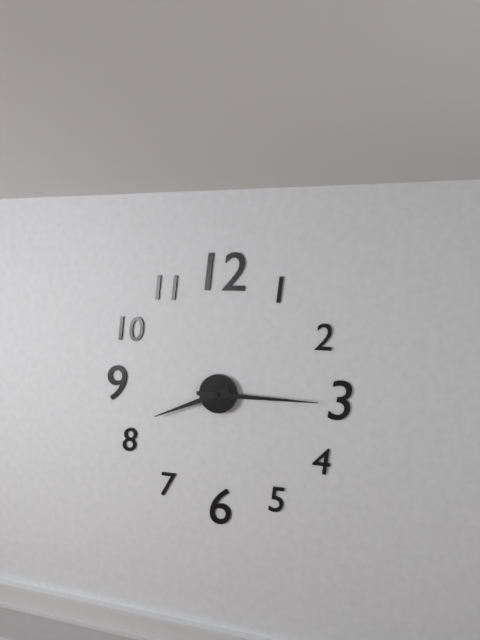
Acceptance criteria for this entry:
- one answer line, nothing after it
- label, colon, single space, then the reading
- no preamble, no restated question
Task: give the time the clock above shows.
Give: 8:15
